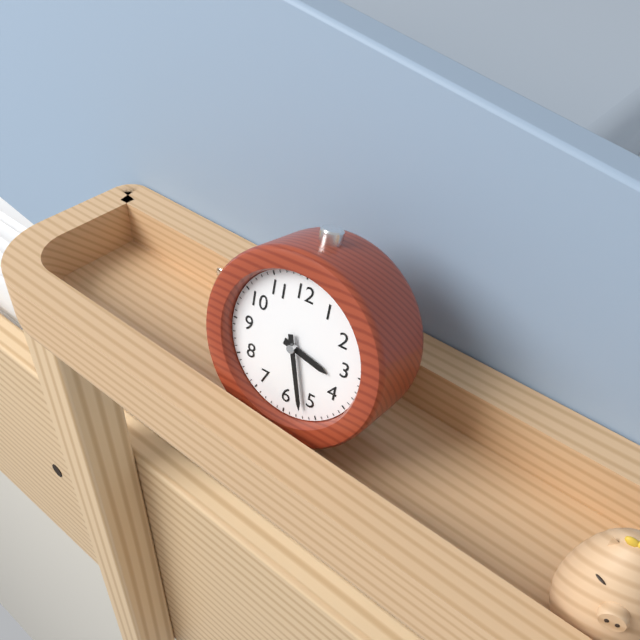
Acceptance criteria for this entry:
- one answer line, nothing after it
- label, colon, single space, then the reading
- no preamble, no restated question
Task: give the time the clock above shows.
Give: 3:27
